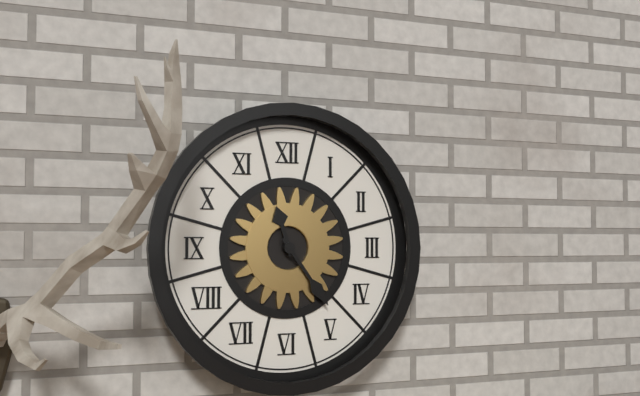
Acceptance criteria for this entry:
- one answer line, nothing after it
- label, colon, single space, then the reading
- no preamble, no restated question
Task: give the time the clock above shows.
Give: 11:24
